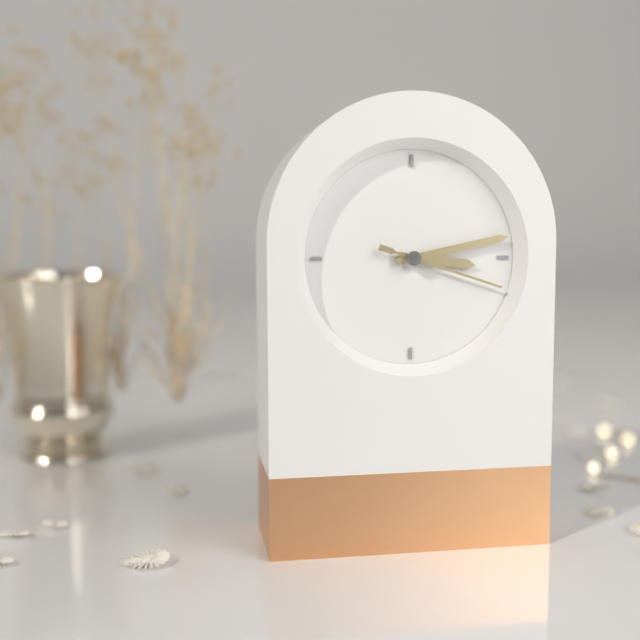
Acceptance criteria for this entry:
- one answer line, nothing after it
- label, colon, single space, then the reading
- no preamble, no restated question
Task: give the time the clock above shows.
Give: 3:13:18
